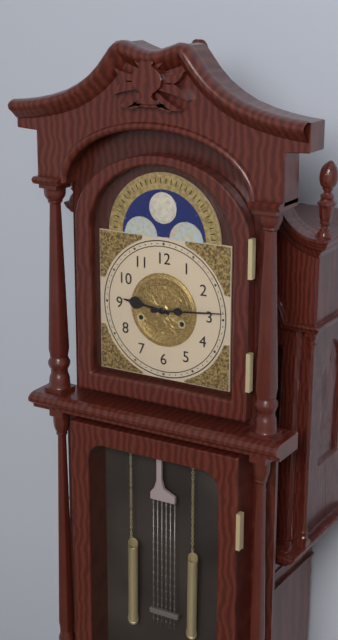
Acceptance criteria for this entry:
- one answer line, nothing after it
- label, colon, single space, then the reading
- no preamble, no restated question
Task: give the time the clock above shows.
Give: 9:14
